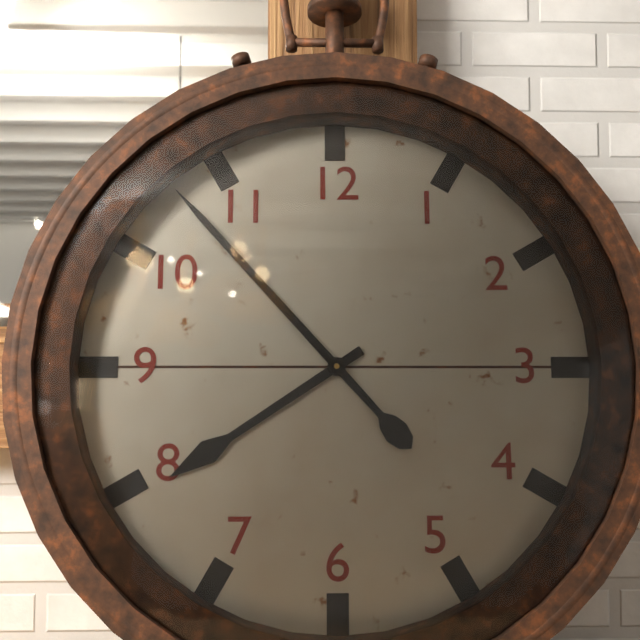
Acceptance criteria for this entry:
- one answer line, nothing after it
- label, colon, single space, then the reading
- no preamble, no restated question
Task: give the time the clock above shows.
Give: 7:53
